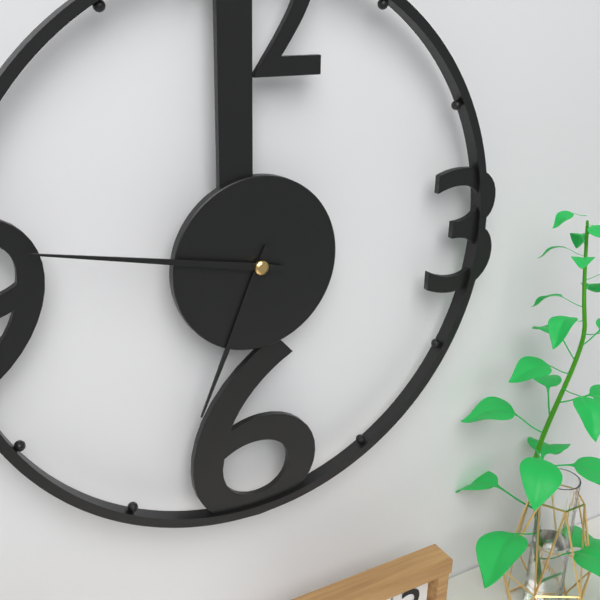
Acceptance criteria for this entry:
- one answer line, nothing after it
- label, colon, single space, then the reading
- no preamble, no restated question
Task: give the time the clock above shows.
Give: 6:47
